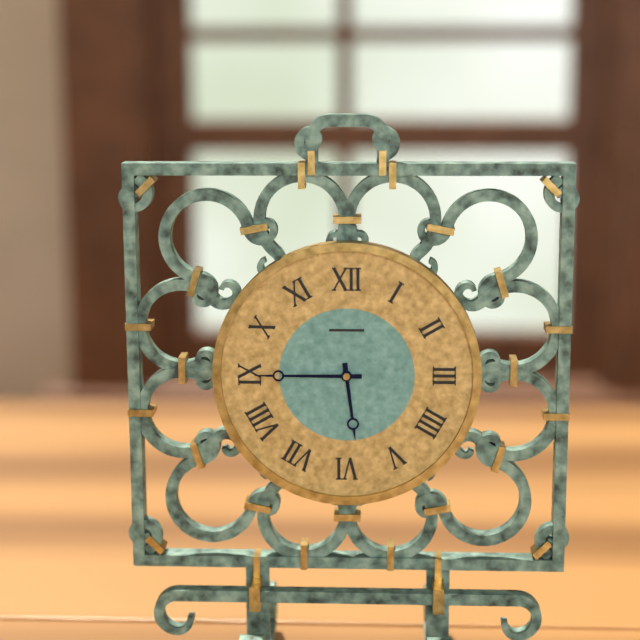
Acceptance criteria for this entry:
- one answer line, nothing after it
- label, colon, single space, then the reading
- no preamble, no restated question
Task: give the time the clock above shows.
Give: 5:45
